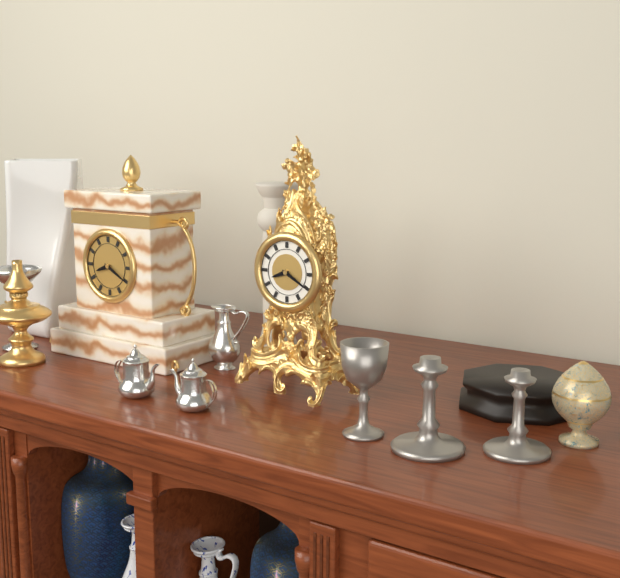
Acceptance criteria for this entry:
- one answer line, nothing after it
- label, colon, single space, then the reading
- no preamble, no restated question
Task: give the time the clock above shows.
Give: 8:20
